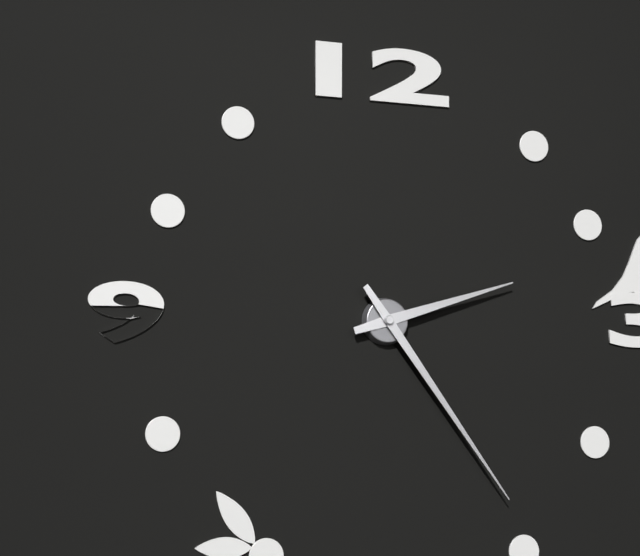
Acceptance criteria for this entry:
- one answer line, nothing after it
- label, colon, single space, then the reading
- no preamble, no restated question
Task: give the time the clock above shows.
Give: 2:24
